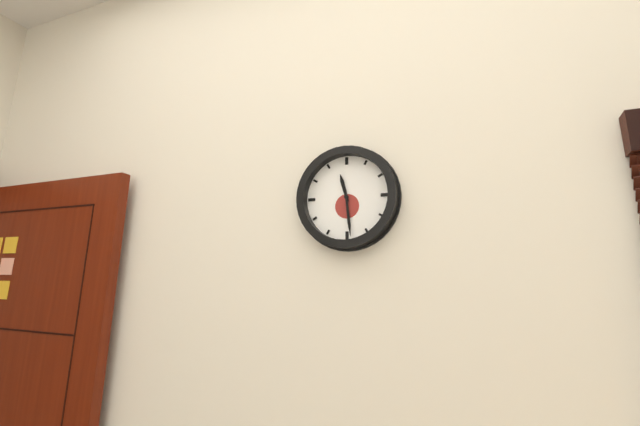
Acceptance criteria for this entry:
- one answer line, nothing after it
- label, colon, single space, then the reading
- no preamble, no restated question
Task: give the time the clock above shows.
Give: 11:29
